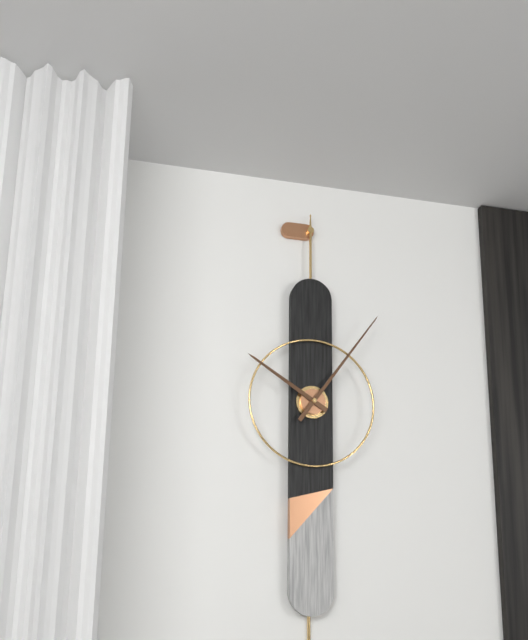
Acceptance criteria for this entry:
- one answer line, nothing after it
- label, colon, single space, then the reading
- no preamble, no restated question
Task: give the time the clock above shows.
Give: 10:06
